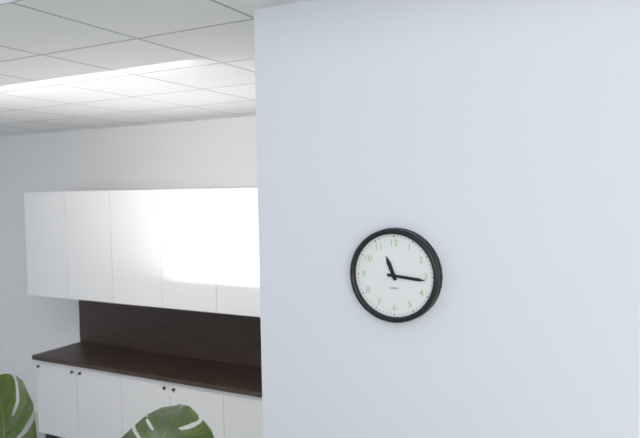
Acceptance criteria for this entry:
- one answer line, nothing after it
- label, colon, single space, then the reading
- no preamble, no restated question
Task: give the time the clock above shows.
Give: 11:16
